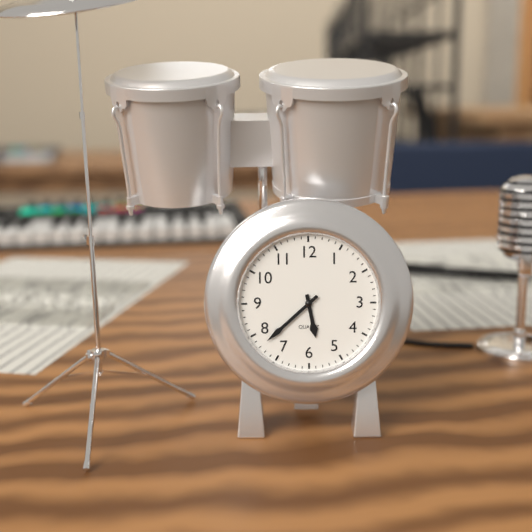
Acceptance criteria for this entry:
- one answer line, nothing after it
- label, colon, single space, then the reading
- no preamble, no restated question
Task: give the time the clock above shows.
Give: 5:38
